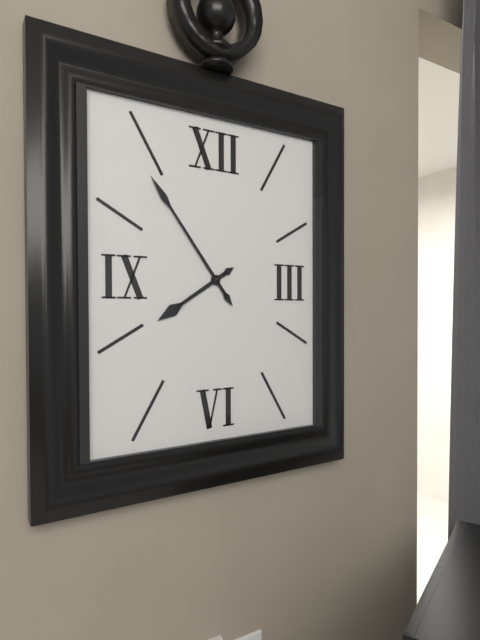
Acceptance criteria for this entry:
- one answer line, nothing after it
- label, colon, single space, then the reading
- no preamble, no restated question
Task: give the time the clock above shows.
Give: 7:54
